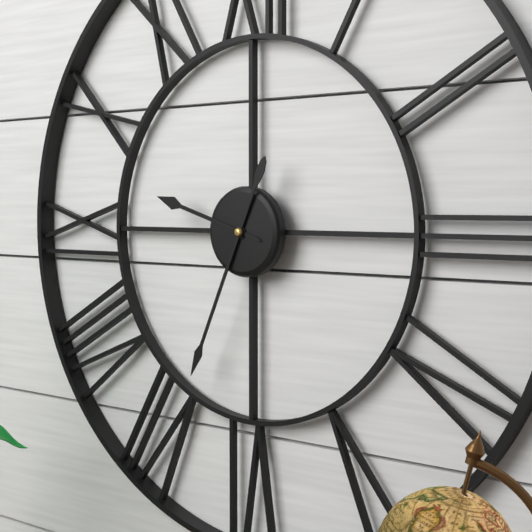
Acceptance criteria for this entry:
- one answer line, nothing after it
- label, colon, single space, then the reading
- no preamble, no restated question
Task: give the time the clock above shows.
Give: 9:34
